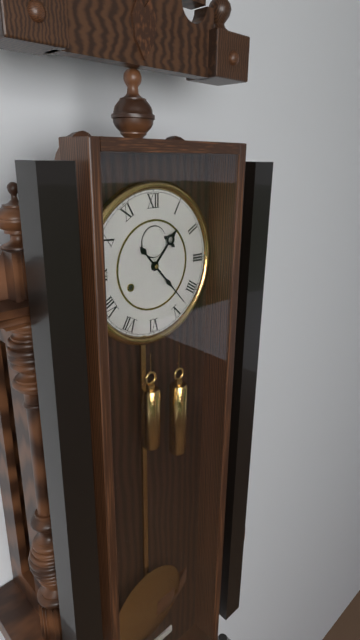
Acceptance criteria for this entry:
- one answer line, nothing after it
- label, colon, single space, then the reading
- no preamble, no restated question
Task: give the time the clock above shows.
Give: 1:23
